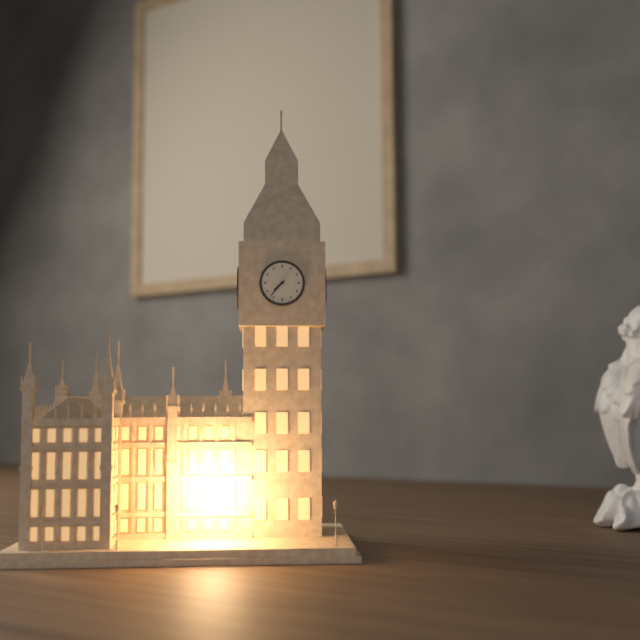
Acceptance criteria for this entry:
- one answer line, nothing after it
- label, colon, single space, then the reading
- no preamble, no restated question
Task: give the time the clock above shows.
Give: 7:37
